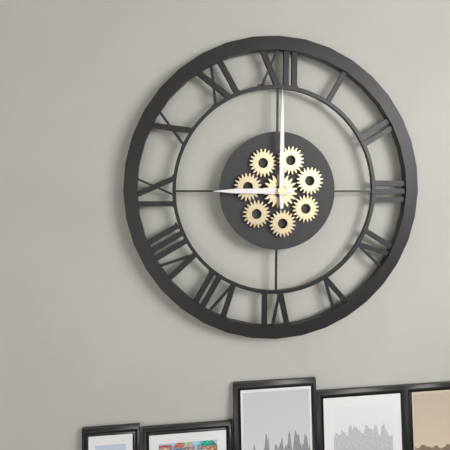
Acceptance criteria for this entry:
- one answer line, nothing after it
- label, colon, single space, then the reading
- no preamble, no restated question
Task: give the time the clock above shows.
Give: 9:00
